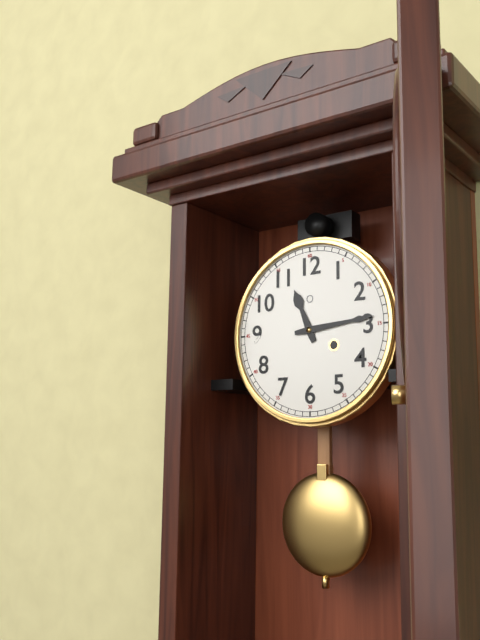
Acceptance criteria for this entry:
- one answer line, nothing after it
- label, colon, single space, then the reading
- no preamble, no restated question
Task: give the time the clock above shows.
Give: 11:14
